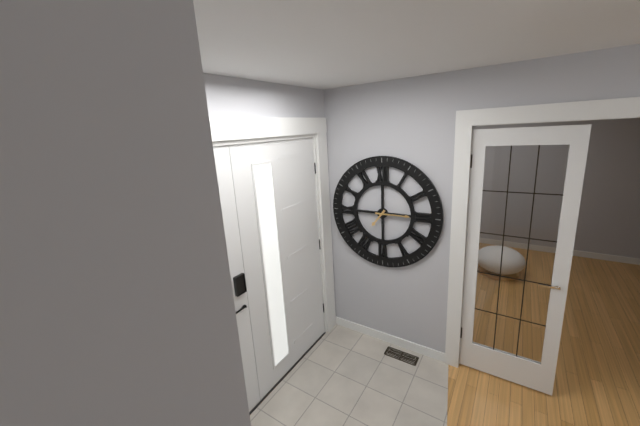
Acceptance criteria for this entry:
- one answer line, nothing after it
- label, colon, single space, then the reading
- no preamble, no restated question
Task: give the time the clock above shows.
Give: 7:15
